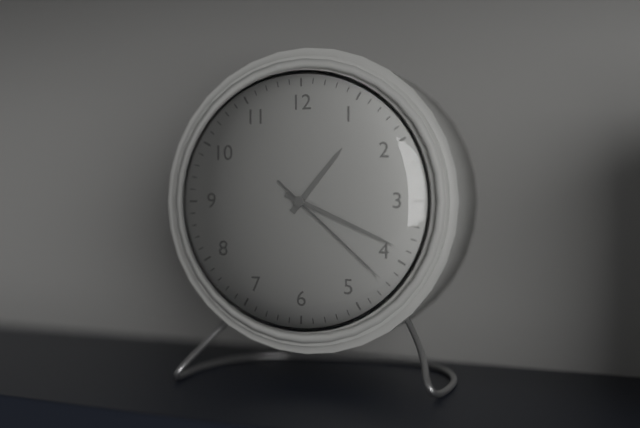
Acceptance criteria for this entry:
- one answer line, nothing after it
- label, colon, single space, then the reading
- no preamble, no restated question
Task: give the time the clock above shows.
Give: 1:19:22
